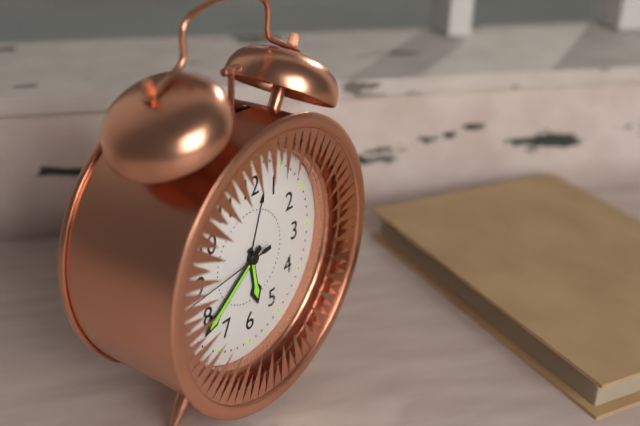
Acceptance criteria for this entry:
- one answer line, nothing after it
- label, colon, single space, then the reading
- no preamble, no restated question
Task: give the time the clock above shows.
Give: 5:39:44
